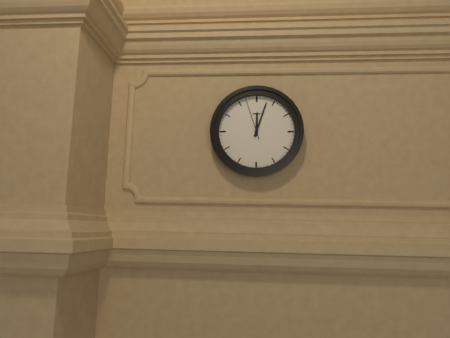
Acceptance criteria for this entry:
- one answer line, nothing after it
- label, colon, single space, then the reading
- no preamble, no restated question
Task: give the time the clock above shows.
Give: 12:03
